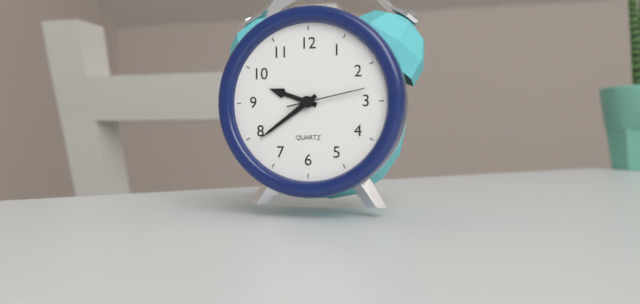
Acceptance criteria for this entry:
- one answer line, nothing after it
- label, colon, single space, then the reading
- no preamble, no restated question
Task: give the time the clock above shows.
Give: 9:39:13
